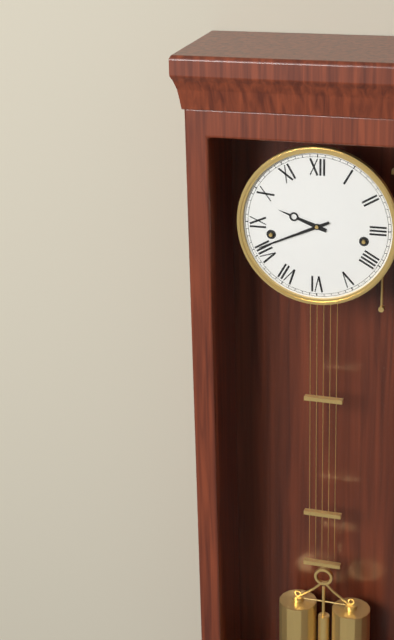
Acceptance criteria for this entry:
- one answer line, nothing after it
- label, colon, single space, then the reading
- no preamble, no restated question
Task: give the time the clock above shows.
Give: 9:41
